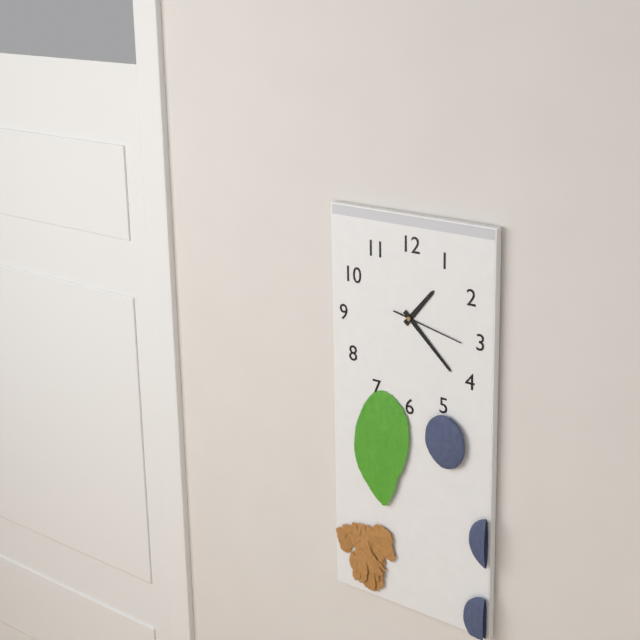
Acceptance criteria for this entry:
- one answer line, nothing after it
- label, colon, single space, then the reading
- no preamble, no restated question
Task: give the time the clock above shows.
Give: 1:22:17
